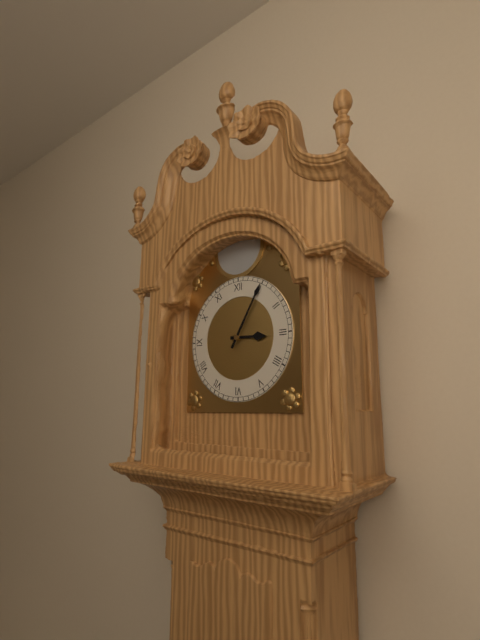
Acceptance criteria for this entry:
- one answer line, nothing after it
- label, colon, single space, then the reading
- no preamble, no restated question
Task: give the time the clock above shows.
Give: 3:05
